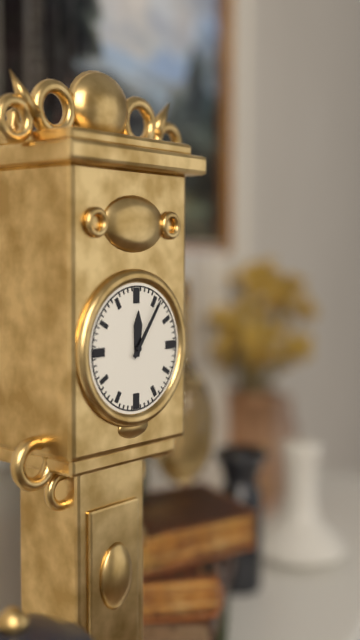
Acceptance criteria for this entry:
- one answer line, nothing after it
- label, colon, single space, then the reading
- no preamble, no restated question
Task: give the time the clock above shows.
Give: 12:06
